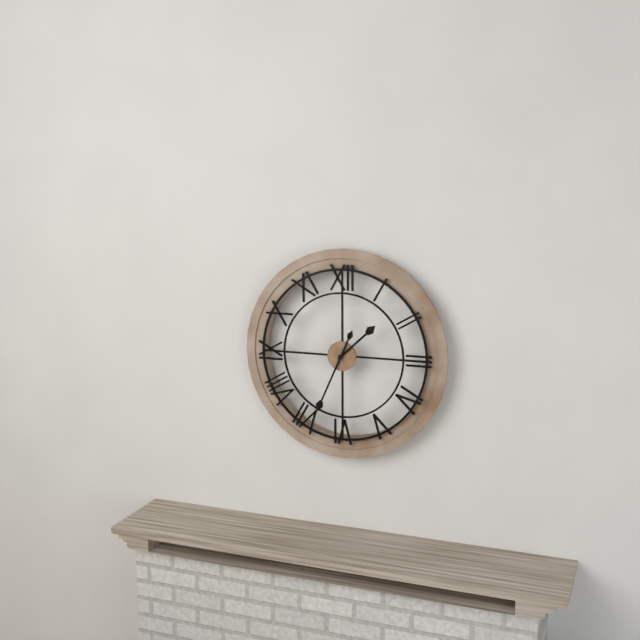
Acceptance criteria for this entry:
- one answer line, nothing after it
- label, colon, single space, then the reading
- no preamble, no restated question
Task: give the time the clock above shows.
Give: 1:34
